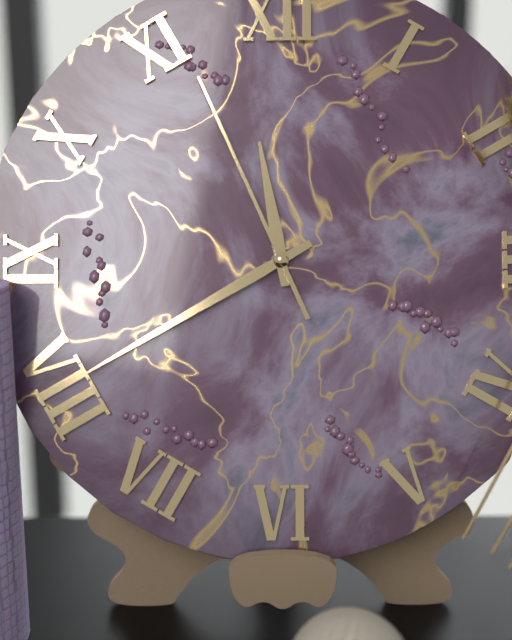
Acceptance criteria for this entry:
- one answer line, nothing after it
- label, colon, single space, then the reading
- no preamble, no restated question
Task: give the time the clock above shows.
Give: 11:40:56
